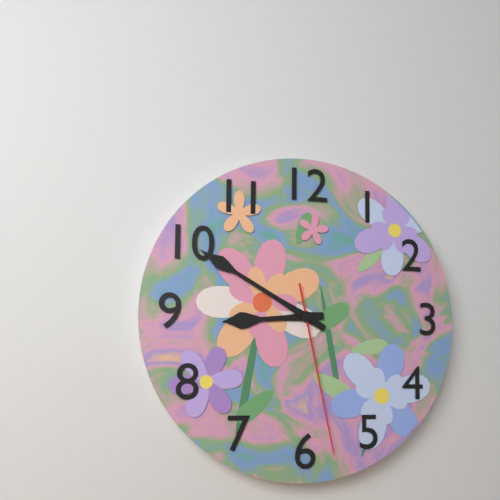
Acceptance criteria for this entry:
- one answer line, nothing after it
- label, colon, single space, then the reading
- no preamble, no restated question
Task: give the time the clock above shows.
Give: 8:50:28
